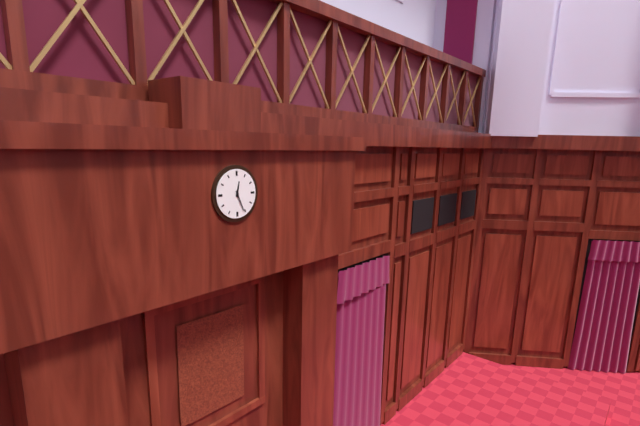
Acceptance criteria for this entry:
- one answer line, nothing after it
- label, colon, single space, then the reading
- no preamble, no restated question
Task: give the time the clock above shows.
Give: 12:26
